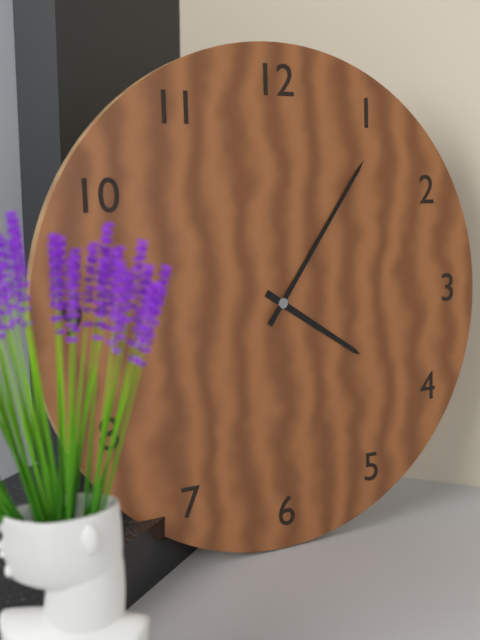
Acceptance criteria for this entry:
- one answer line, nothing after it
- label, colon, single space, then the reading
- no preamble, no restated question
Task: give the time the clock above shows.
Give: 4:06
